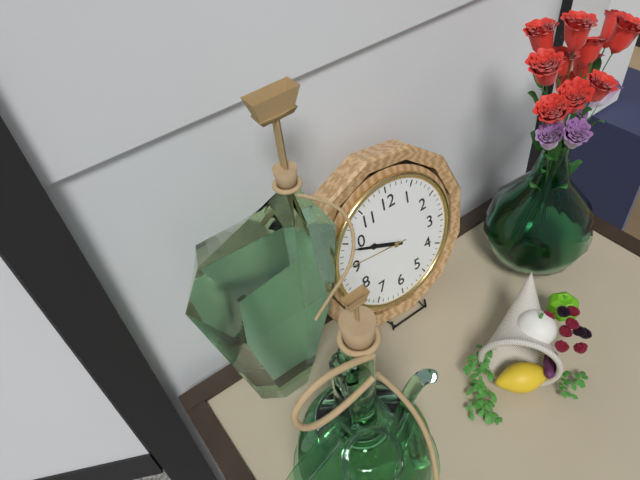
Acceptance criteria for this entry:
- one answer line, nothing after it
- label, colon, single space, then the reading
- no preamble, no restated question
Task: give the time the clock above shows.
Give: 9:49:46
